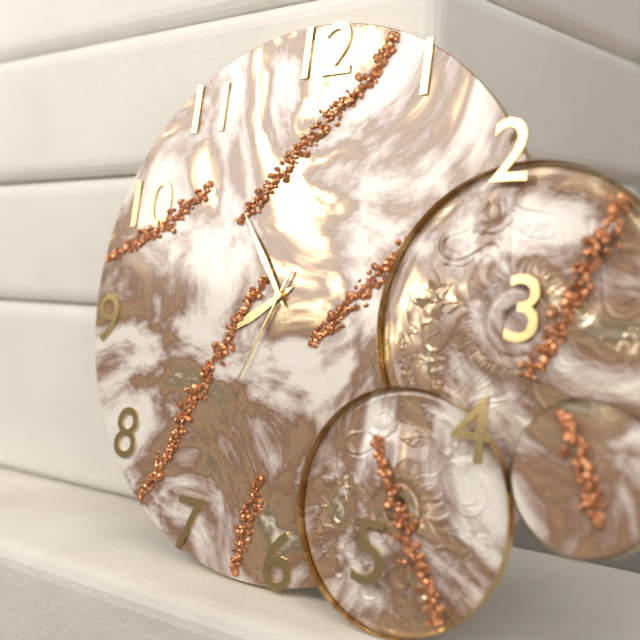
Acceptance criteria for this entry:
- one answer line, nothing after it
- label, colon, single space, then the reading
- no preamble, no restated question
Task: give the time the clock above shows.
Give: 7:54:34
